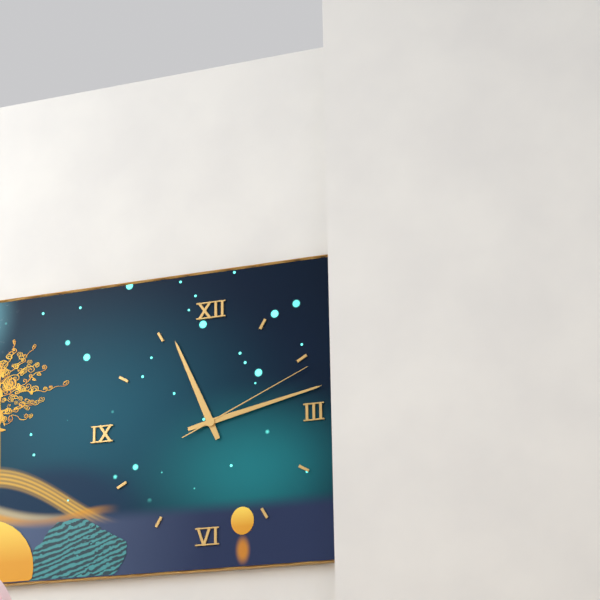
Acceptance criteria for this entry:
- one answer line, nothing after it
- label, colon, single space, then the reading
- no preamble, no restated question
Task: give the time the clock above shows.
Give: 11:13:11
